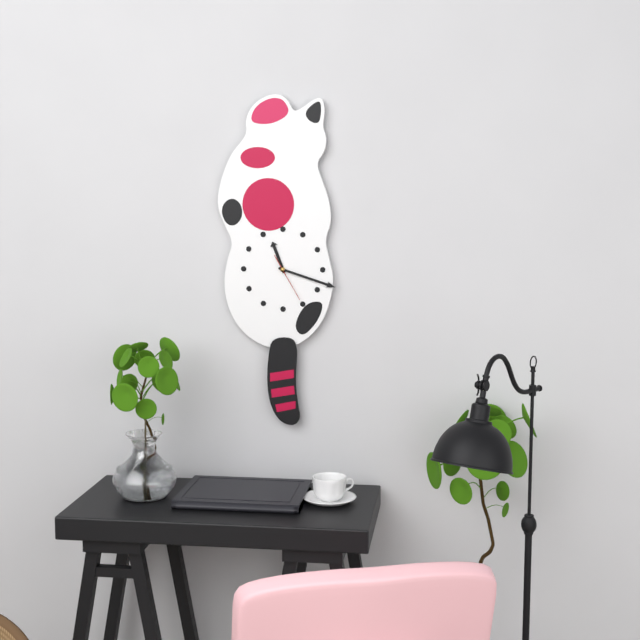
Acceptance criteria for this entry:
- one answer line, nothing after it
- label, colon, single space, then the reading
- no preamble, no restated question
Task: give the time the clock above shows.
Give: 11:18
